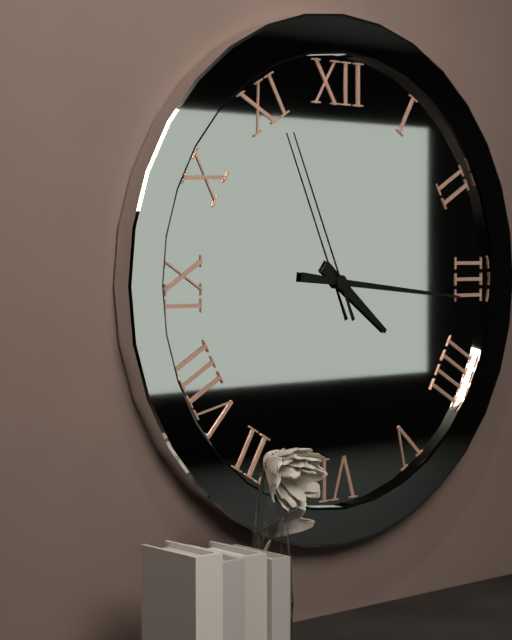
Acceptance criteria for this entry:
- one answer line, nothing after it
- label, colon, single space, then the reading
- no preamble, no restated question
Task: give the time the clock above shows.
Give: 4:16:56
